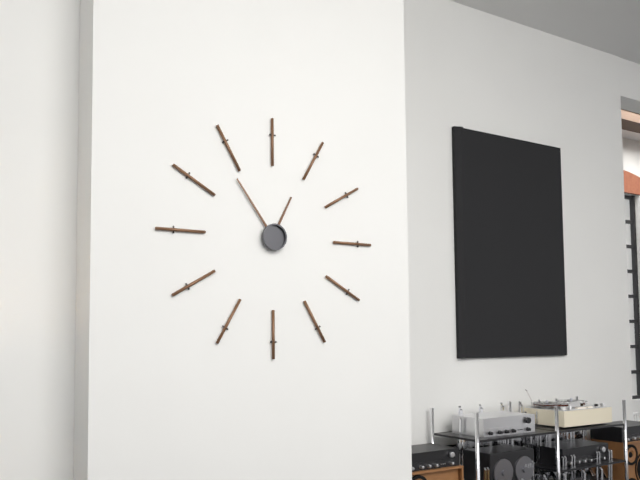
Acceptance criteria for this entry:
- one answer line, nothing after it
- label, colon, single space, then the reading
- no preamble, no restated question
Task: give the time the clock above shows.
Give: 12:54
